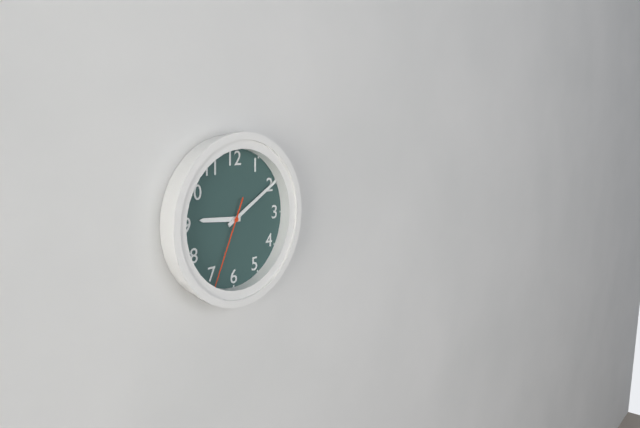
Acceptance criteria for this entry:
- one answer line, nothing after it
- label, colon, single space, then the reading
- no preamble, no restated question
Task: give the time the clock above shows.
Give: 9:10:34
